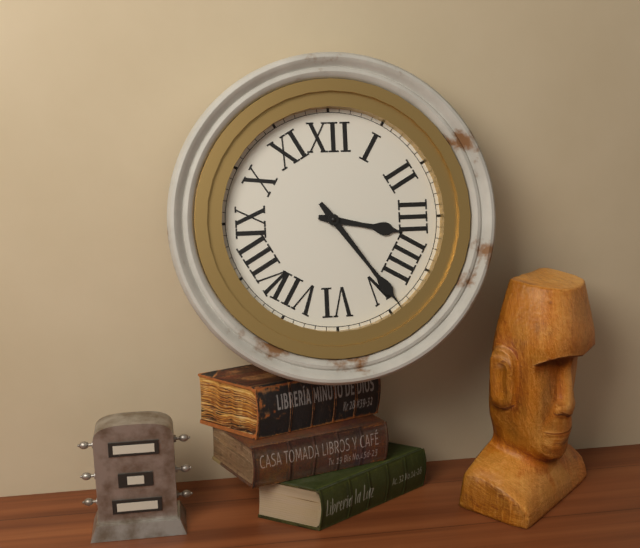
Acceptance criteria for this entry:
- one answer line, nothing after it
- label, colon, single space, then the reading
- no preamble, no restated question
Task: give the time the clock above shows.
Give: 3:24
